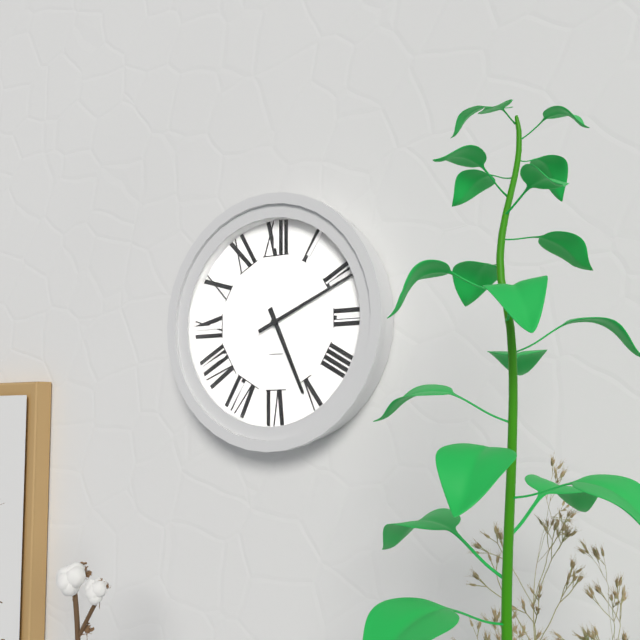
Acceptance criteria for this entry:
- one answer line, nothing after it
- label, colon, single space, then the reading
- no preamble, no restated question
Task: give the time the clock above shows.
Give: 5:11
